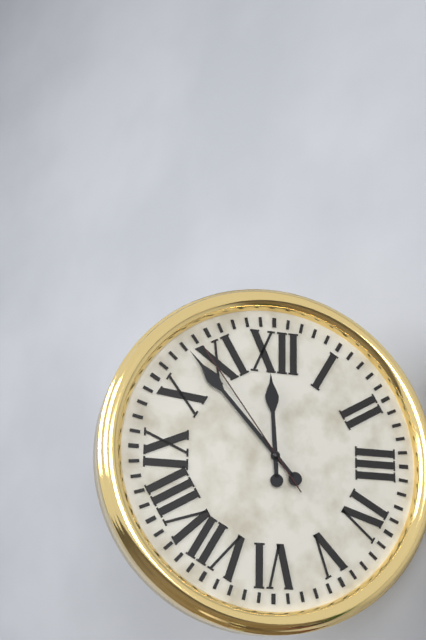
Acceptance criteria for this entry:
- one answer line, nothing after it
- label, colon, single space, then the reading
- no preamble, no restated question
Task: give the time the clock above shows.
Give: 11:53:54
